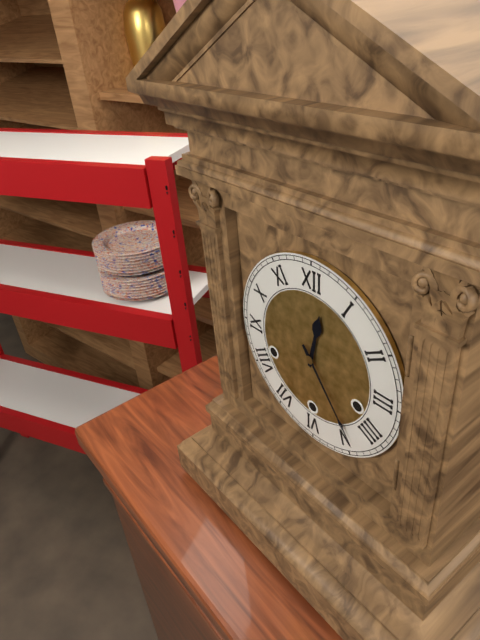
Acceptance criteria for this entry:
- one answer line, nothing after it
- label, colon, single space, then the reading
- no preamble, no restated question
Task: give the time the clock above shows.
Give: 12:24
